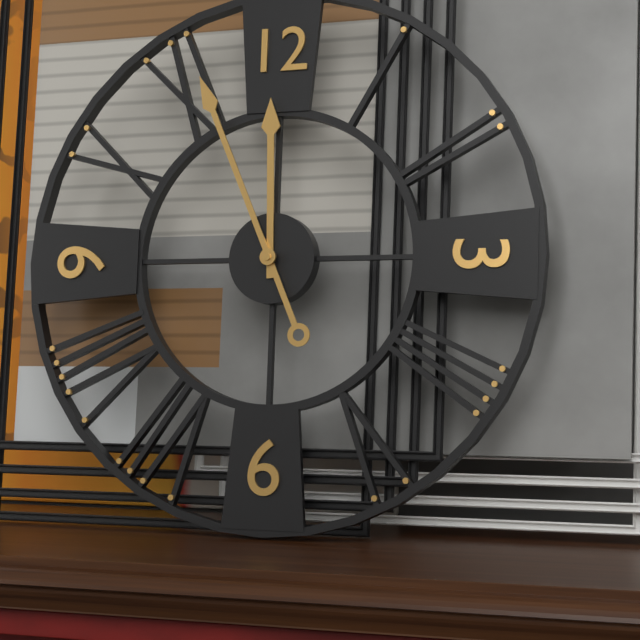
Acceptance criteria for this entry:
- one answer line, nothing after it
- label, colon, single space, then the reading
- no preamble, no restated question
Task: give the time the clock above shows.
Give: 11:56
